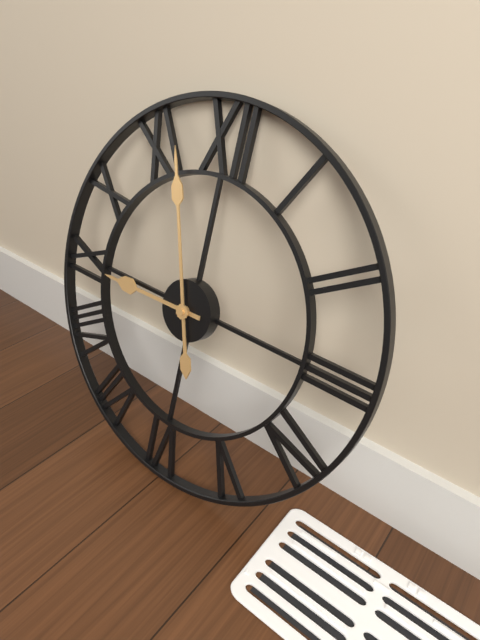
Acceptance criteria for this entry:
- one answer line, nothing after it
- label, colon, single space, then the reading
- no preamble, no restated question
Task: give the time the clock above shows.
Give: 8:57
